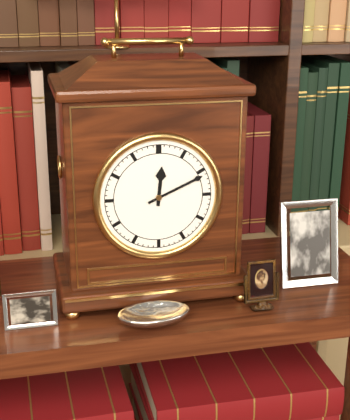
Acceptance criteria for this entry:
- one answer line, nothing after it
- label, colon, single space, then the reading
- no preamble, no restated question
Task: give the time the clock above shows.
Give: 12:11
